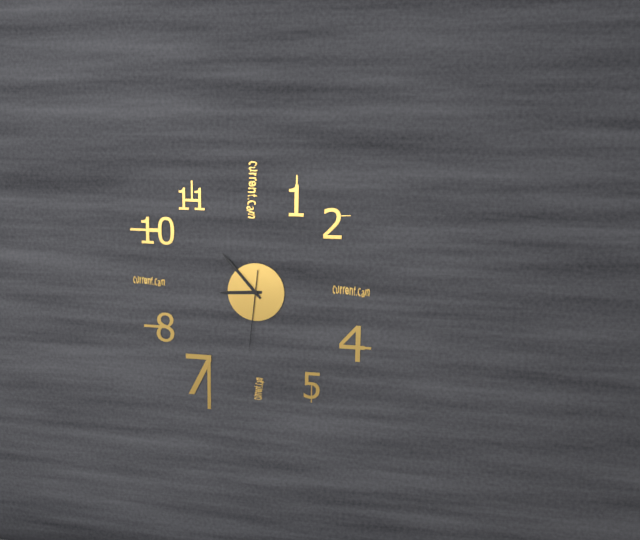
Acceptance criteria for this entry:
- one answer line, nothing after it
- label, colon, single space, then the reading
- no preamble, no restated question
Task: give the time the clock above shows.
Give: 8:53:31
